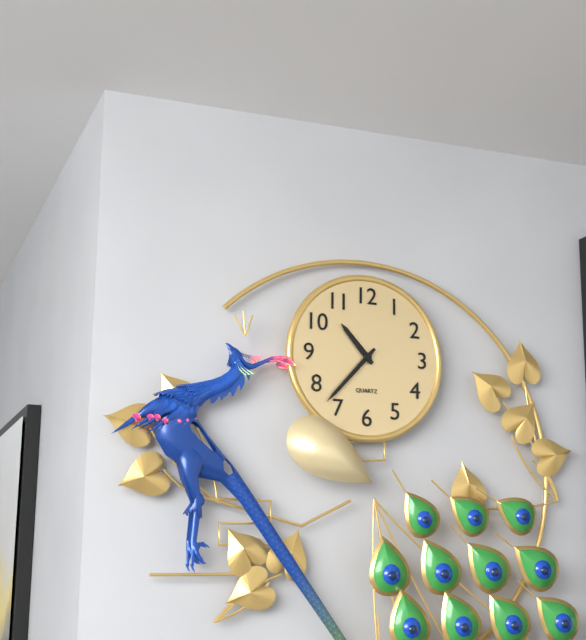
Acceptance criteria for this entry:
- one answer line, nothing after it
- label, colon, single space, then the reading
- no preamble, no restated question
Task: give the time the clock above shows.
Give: 10:37
